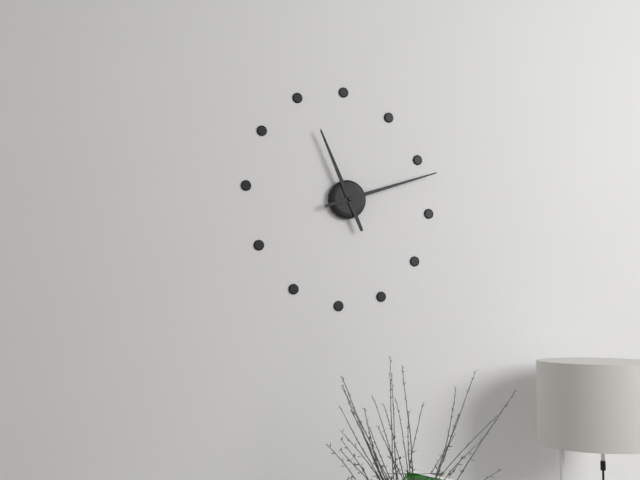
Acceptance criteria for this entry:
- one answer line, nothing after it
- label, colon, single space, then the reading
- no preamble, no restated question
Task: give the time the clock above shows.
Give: 11:12
